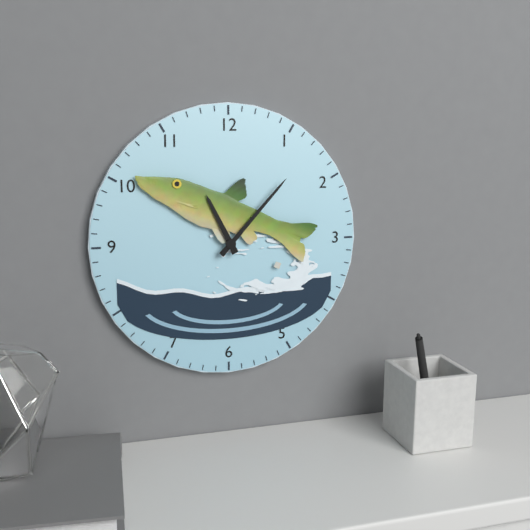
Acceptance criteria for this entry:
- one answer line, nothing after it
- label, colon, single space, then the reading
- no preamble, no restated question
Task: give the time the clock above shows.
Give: 11:07
